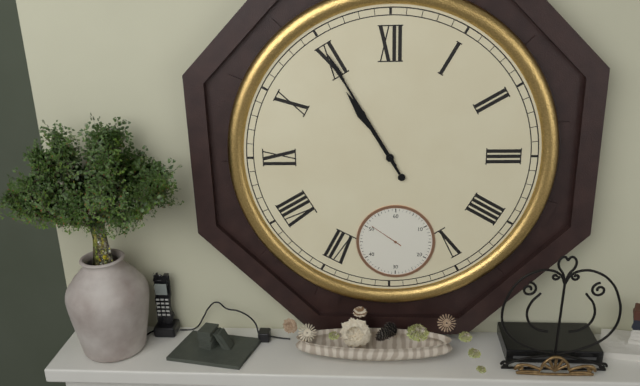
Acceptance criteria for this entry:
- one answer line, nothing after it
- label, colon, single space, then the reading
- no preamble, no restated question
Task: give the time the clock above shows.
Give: 10:55
